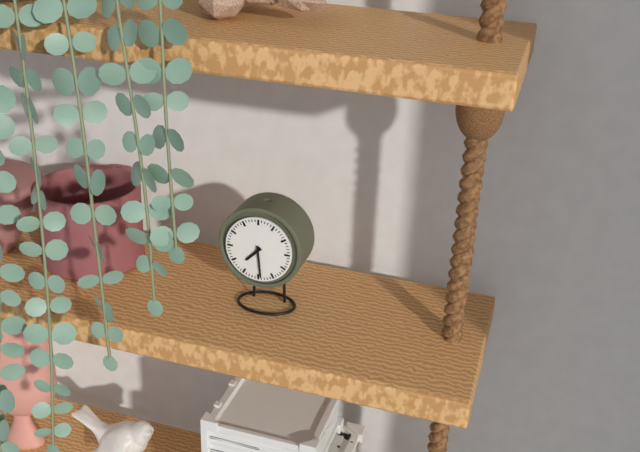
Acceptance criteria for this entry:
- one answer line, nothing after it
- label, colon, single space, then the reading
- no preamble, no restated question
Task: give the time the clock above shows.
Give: 7:29
